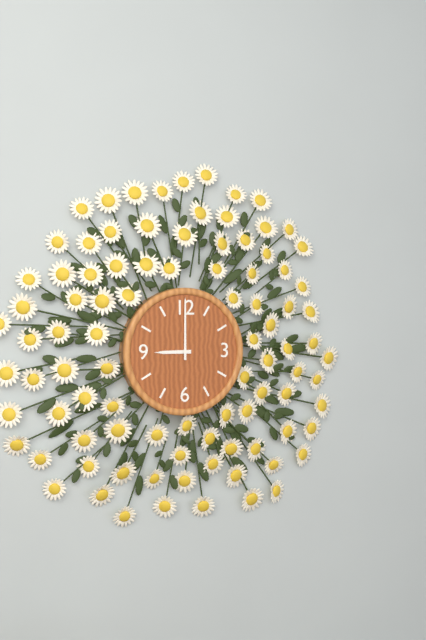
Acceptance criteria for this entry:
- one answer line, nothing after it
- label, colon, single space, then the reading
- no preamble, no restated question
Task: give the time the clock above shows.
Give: 9:00
